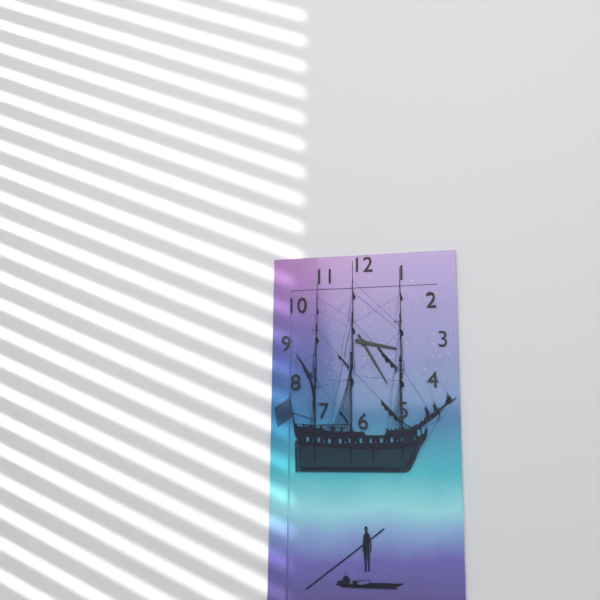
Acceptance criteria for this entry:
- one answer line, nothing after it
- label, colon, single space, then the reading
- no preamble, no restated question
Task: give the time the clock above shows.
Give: 3:25
